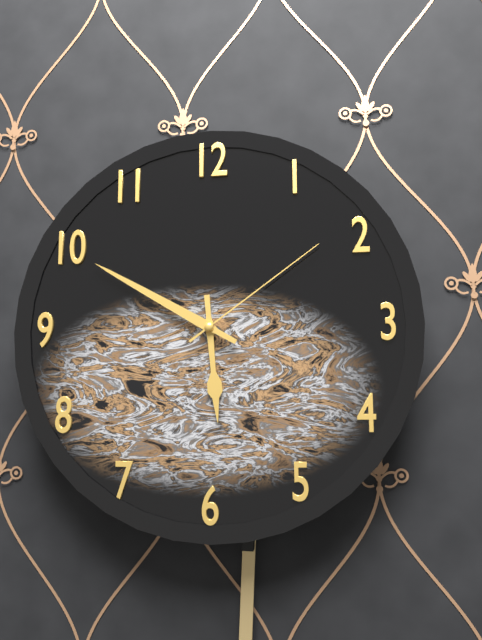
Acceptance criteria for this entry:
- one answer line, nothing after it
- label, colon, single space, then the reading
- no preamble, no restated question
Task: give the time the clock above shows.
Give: 5:50:09
